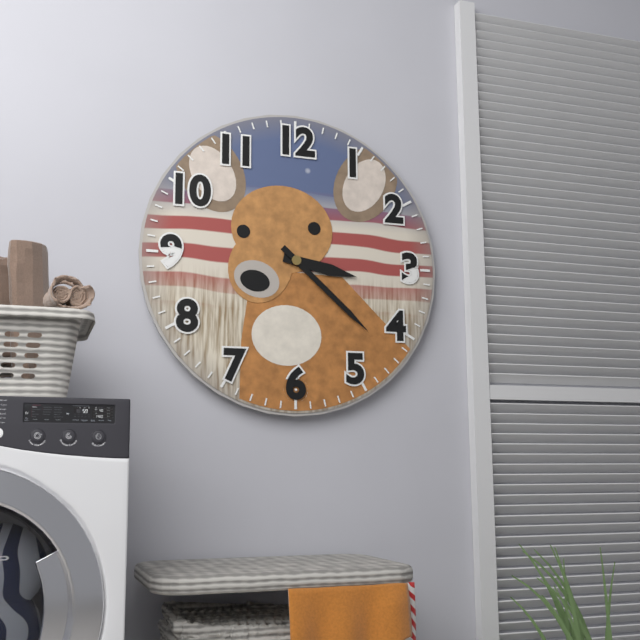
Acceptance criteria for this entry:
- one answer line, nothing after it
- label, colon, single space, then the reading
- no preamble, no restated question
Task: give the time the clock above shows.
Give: 3:22
